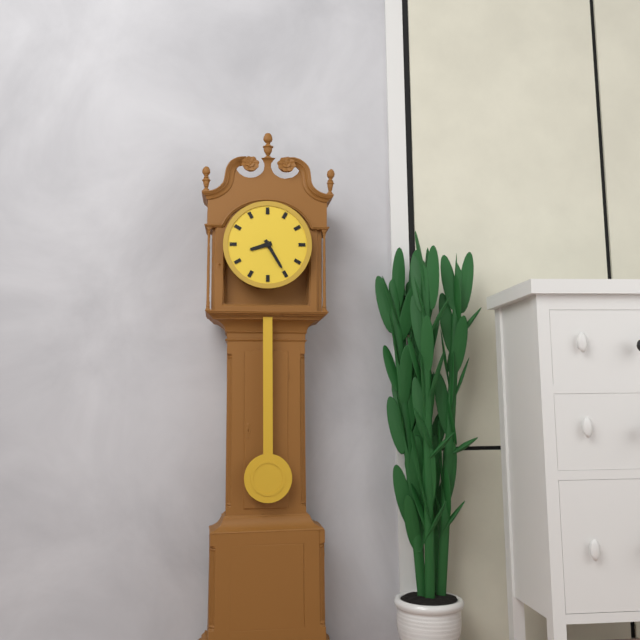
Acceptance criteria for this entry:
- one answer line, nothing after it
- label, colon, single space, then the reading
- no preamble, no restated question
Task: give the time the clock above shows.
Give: 8:25
